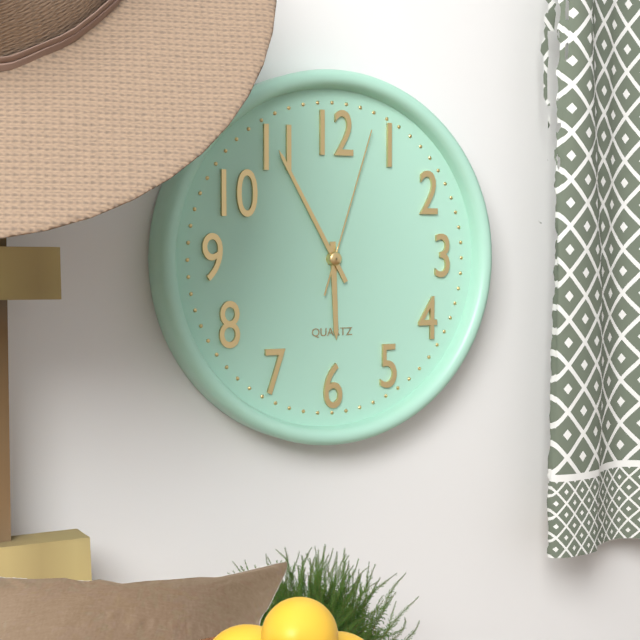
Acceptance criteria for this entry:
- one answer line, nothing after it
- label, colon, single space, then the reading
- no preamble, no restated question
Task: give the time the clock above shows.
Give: 5:55:03
